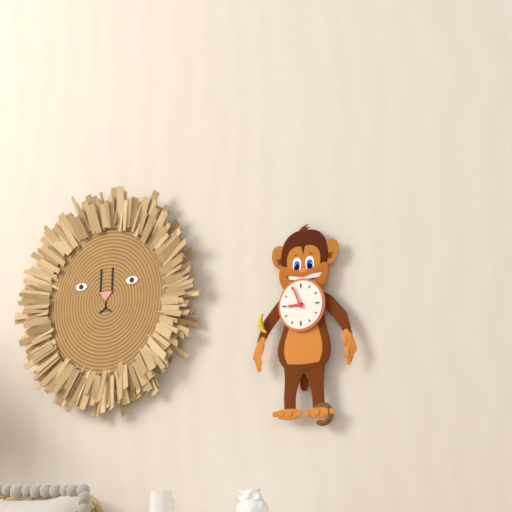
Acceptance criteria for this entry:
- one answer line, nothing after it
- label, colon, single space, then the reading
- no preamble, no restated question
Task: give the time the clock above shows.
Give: 8:56
